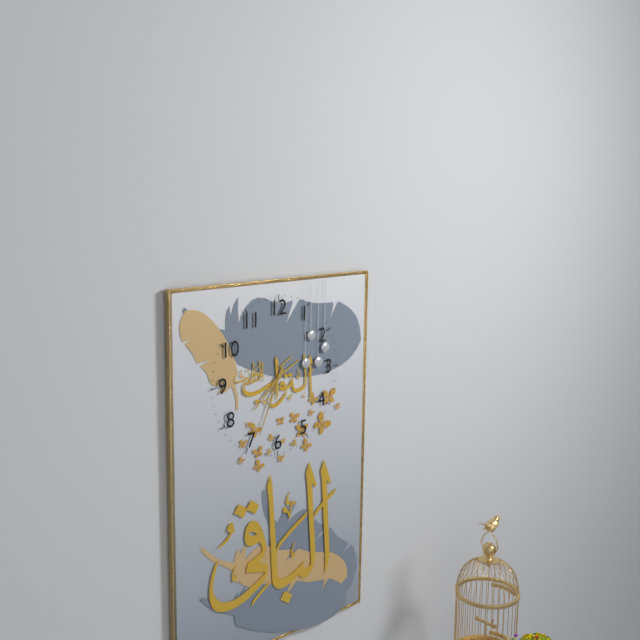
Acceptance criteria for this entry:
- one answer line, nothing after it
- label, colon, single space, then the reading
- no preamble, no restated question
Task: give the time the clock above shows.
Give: 7:34
